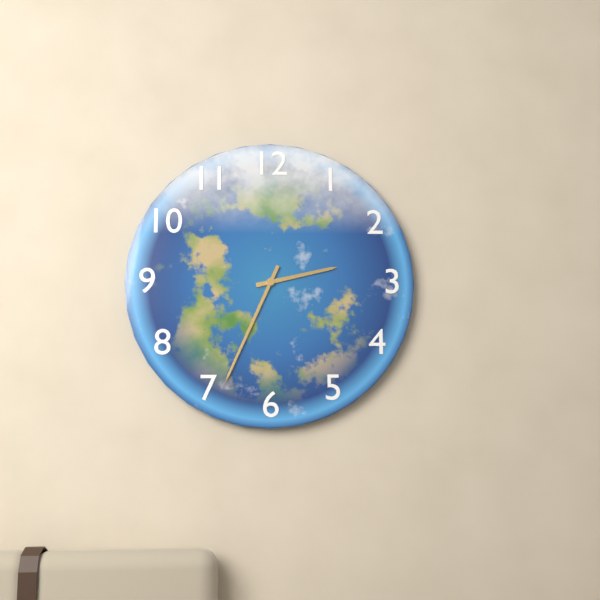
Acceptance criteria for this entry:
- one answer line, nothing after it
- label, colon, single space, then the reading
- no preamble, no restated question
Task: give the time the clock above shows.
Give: 2:34
